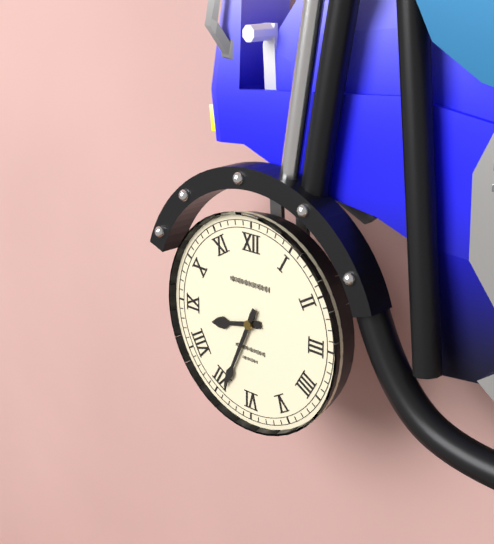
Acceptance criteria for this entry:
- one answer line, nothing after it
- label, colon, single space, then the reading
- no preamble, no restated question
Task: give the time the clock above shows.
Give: 8:34
